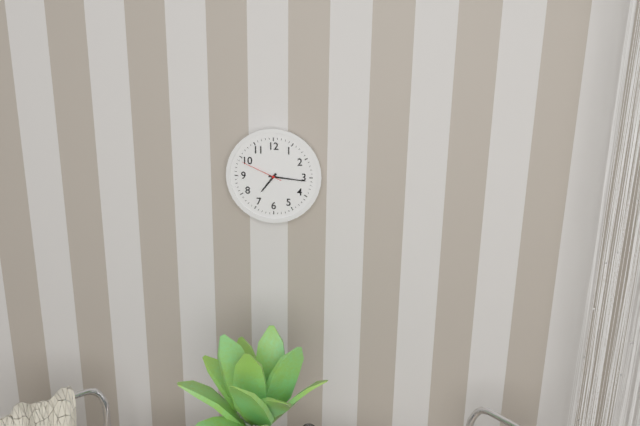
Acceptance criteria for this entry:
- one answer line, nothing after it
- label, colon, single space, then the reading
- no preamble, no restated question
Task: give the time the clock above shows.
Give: 7:16
